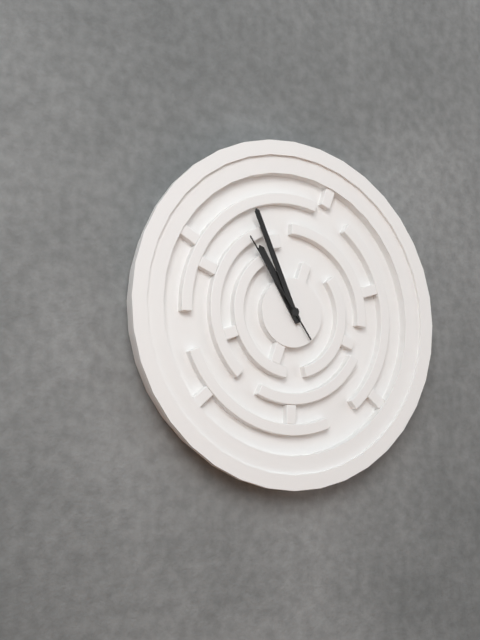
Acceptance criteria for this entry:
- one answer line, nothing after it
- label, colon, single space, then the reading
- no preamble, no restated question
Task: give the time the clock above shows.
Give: 10:56:54
